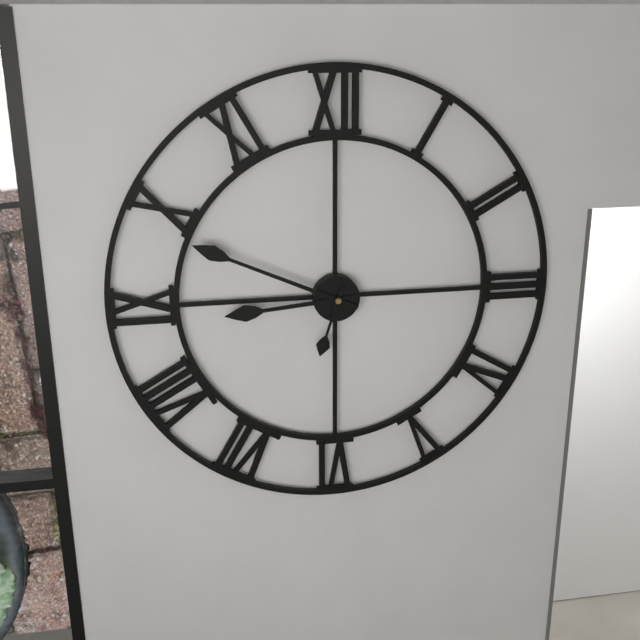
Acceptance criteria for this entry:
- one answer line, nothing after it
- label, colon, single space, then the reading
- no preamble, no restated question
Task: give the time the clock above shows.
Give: 8:49:33
